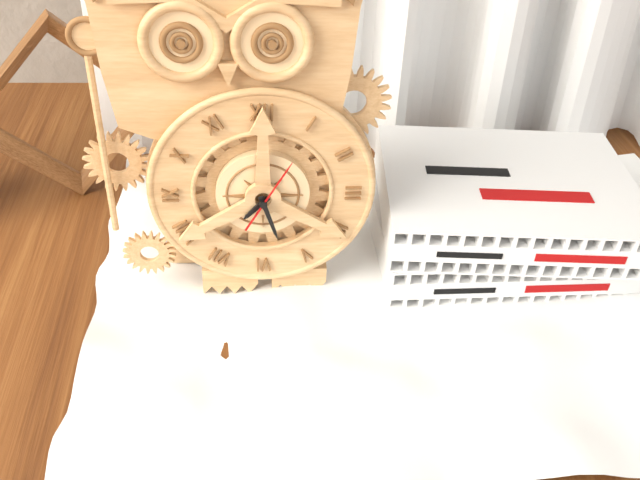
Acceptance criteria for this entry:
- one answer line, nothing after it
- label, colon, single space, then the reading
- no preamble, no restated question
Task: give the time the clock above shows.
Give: 7:27:05
